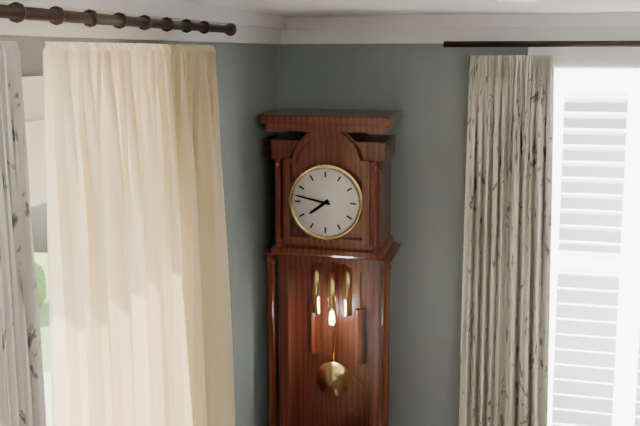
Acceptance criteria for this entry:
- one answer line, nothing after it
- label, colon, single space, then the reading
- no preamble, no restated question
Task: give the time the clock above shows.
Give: 7:47
